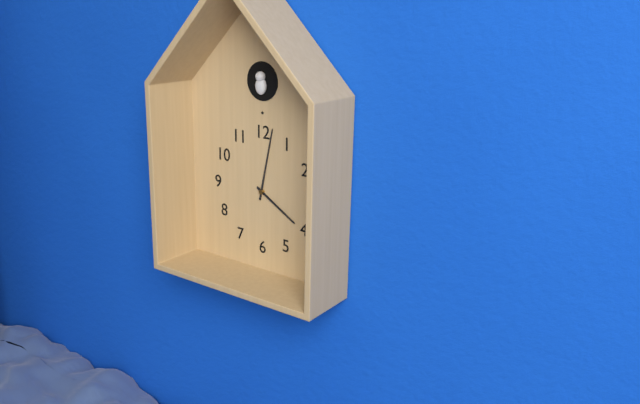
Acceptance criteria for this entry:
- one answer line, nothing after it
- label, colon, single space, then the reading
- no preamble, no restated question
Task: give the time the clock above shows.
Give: 4:02
